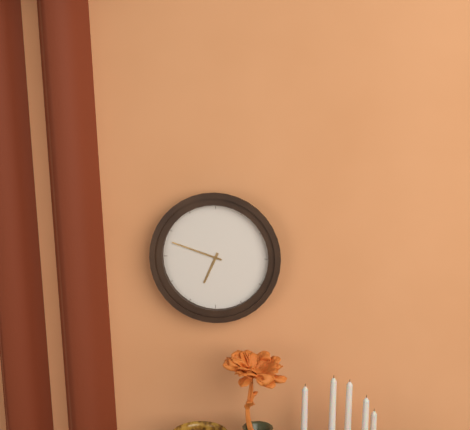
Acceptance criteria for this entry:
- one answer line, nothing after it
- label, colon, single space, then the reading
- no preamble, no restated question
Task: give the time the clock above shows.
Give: 6:48
